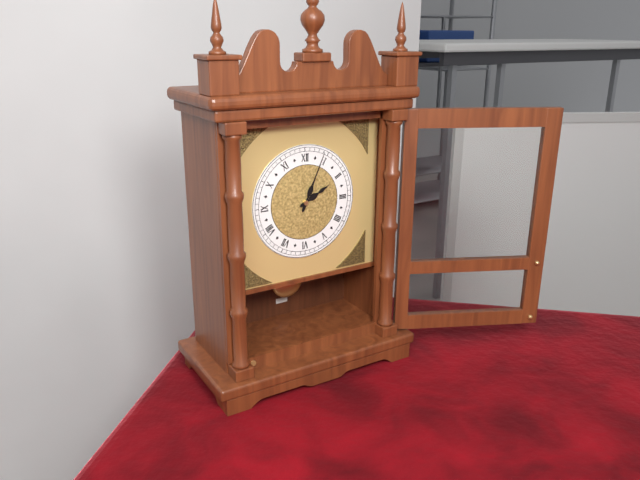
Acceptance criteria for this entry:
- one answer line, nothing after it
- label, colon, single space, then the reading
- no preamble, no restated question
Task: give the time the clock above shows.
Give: 2:04
